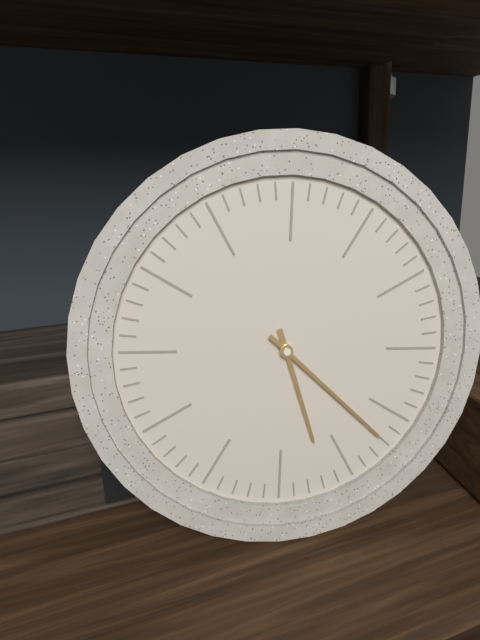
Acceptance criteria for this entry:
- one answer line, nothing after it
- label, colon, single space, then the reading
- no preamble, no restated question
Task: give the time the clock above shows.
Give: 5:22
